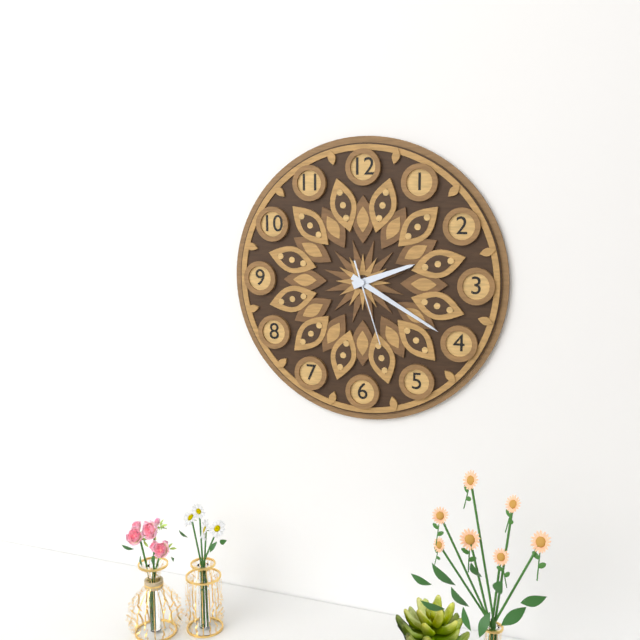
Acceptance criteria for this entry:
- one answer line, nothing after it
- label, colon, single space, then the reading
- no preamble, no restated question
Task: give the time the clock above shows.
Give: 2:20:27
